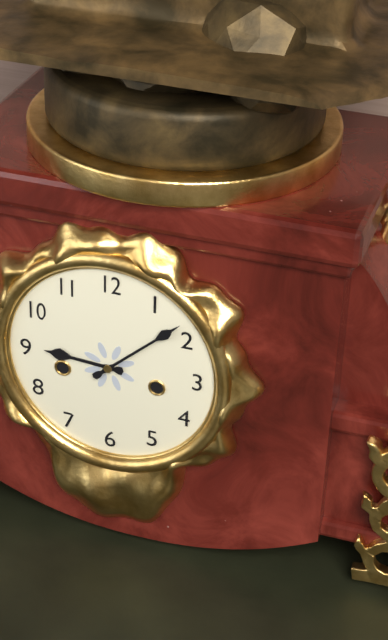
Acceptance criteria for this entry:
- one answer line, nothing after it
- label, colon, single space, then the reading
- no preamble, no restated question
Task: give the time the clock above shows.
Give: 9:08
